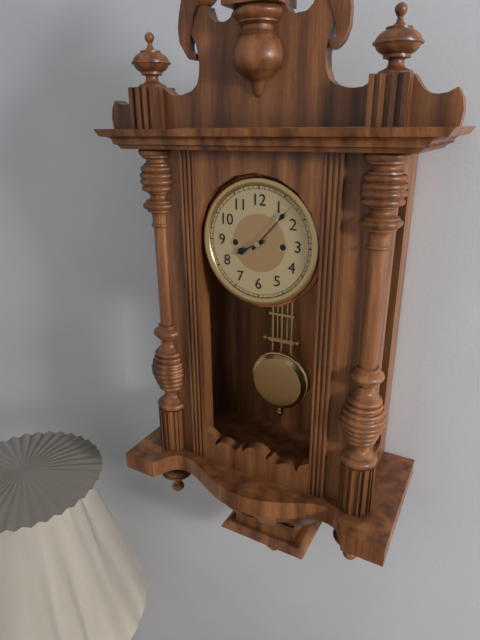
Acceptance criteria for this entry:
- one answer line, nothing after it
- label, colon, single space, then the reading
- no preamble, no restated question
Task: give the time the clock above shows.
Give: 8:07
